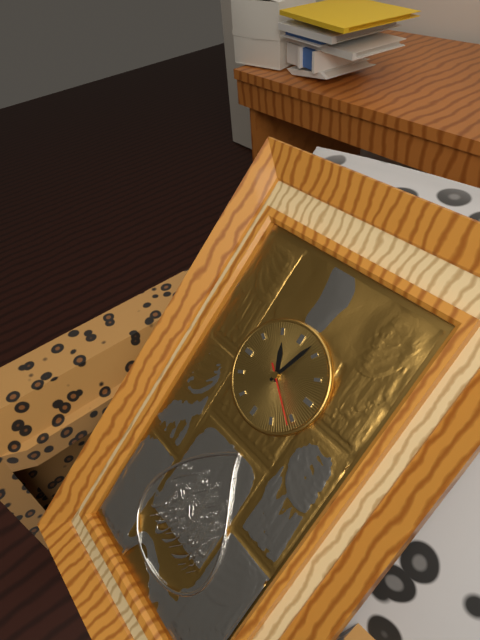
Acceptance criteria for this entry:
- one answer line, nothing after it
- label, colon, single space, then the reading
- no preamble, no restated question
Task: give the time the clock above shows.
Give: 11:03:21
